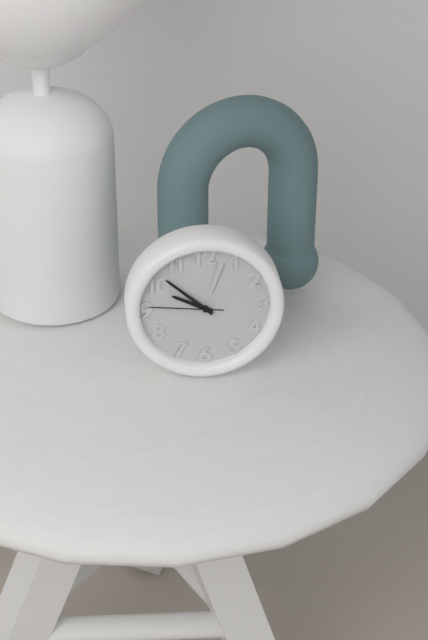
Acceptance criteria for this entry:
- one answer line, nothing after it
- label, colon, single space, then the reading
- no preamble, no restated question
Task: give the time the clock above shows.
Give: 9:52:46
